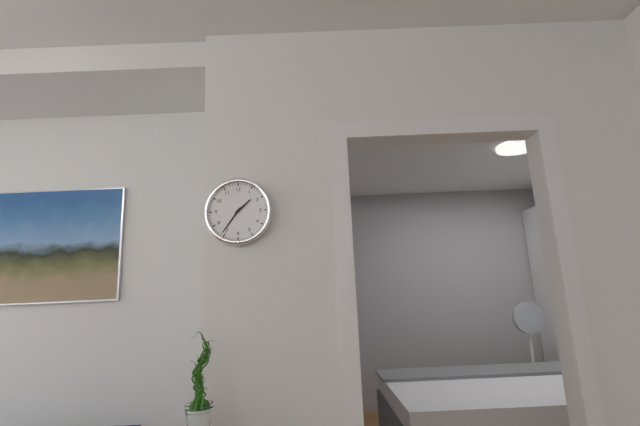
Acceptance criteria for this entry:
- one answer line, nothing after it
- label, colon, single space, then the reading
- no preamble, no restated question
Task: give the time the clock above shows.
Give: 1:36
